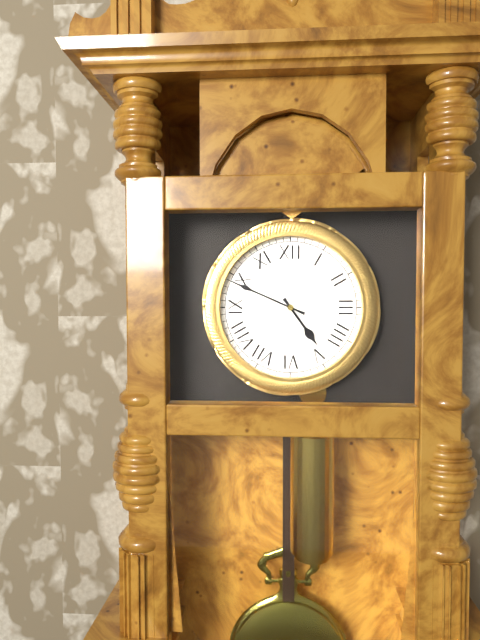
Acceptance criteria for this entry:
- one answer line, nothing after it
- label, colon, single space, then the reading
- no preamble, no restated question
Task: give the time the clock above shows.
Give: 4:49
